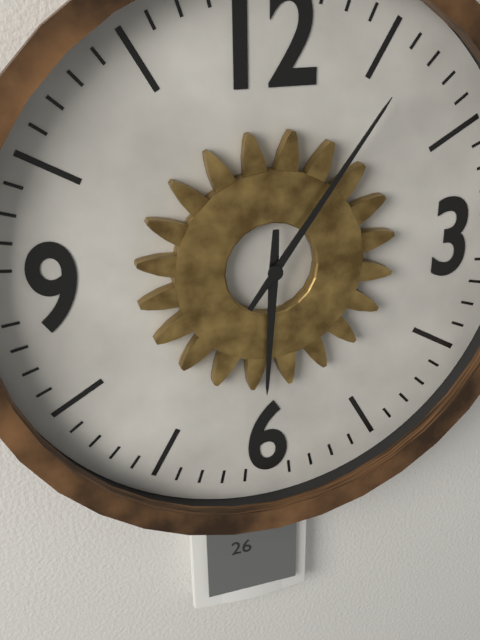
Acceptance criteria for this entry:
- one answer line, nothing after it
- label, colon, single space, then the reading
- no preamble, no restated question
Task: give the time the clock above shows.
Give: 6:06
